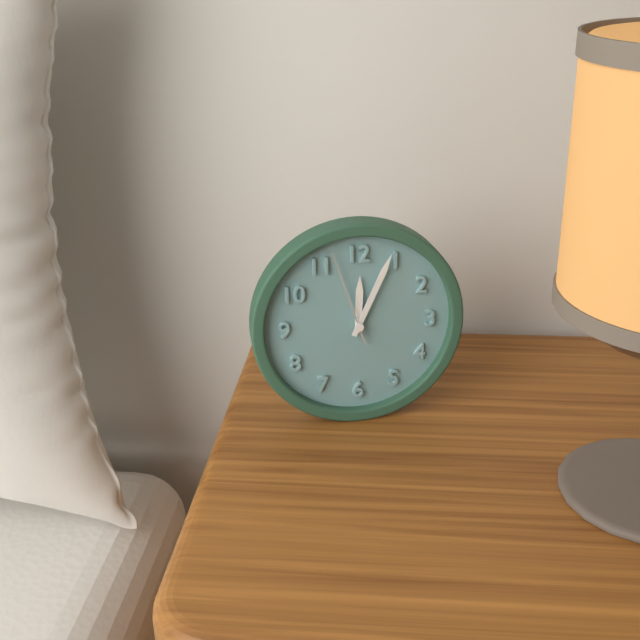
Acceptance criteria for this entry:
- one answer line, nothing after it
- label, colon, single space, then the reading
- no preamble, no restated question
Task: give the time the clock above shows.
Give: 12:04:57
